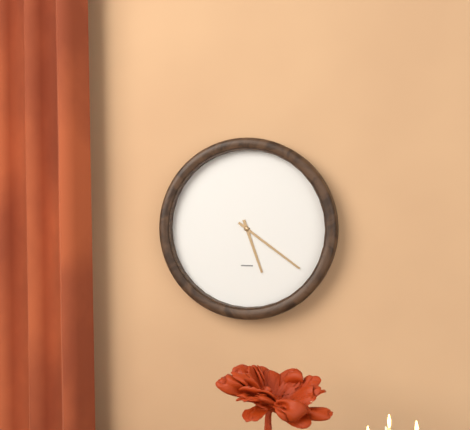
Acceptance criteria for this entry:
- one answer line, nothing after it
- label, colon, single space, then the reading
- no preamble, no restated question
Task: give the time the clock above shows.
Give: 5:21
